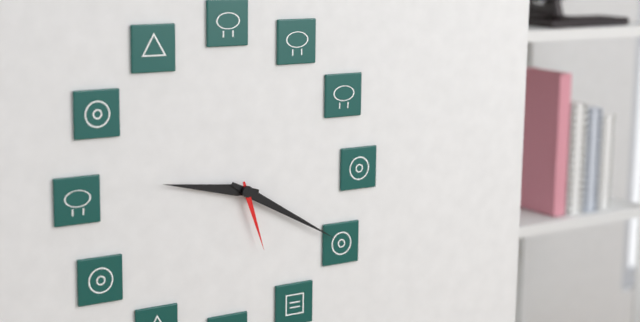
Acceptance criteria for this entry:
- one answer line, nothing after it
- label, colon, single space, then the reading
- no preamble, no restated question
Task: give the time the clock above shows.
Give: 9:20:27
